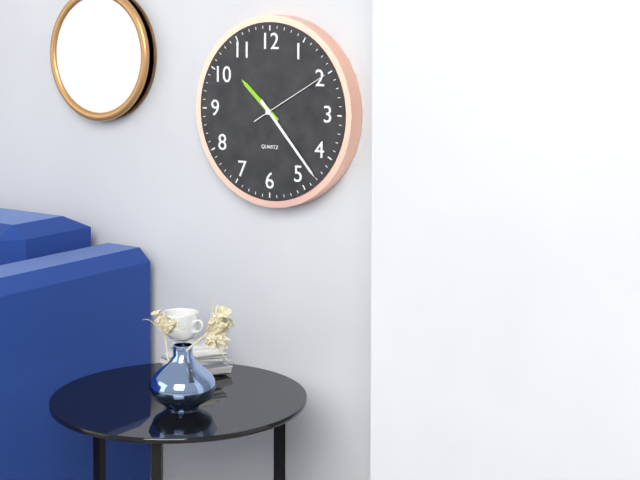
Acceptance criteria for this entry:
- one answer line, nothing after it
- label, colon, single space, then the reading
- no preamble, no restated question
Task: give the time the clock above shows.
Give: 10:23:10
